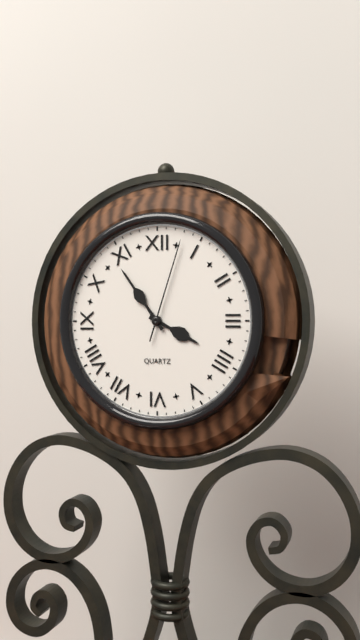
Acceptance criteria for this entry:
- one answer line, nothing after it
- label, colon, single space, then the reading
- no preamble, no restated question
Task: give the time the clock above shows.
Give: 3:54:03
